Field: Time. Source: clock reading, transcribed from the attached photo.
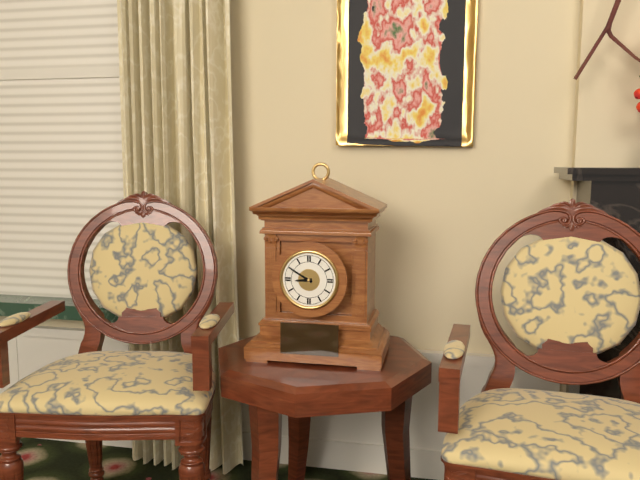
8:50
